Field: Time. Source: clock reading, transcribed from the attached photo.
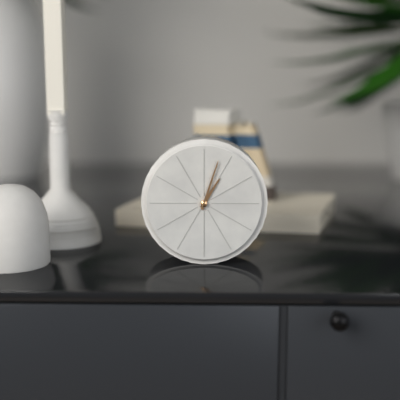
1:03
